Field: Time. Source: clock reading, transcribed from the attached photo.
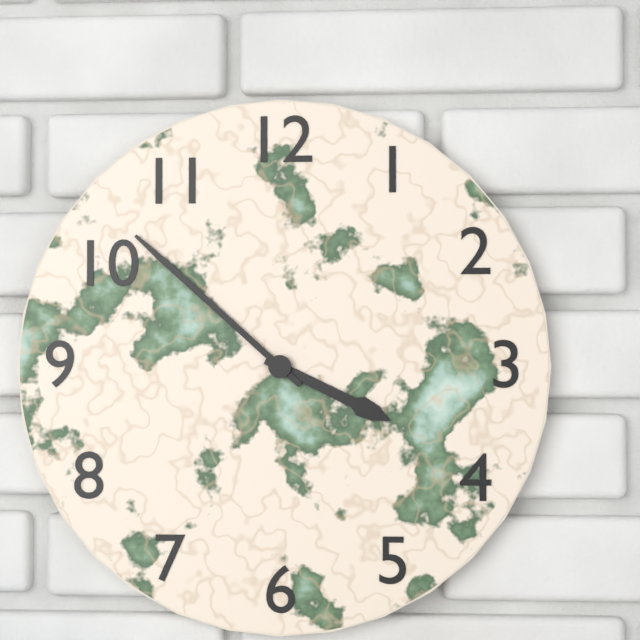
3:52
